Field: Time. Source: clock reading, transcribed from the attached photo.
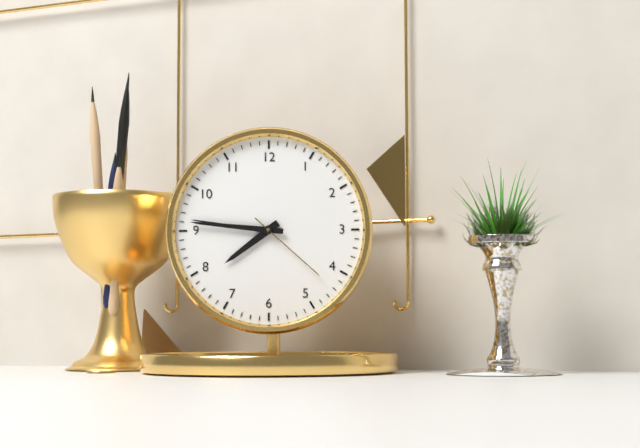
7:46:22
